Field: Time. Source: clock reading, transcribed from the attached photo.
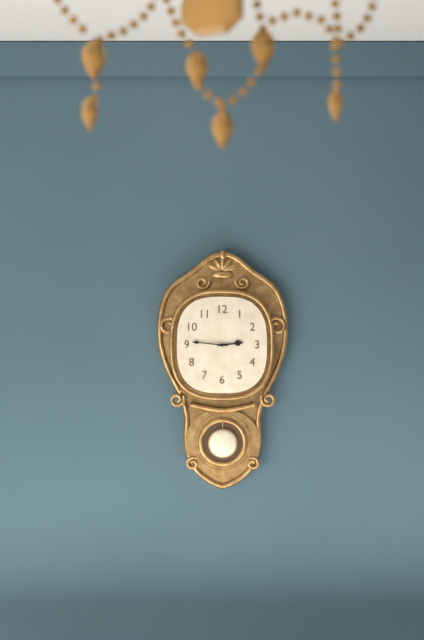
2:46
